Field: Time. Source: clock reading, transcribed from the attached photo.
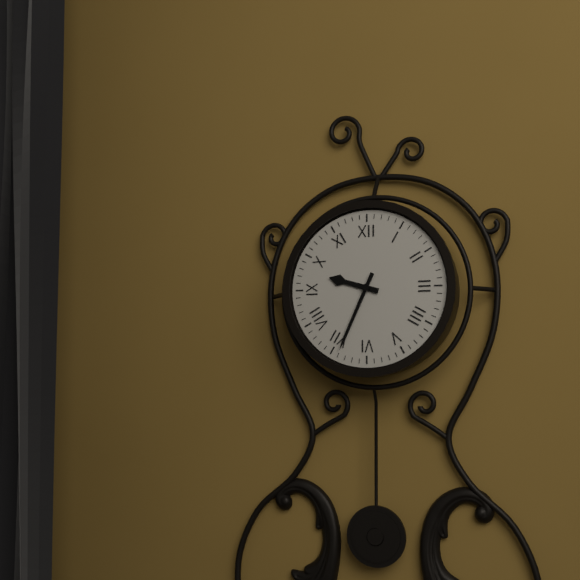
9:34
